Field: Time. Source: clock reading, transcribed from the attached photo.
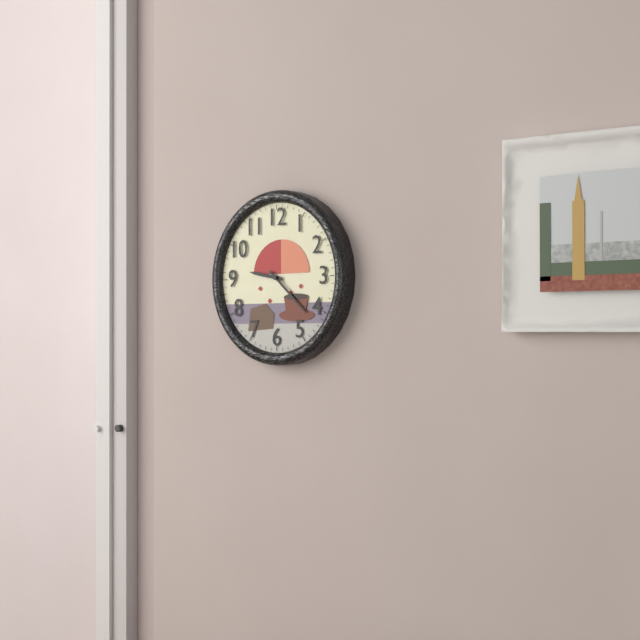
9:22
